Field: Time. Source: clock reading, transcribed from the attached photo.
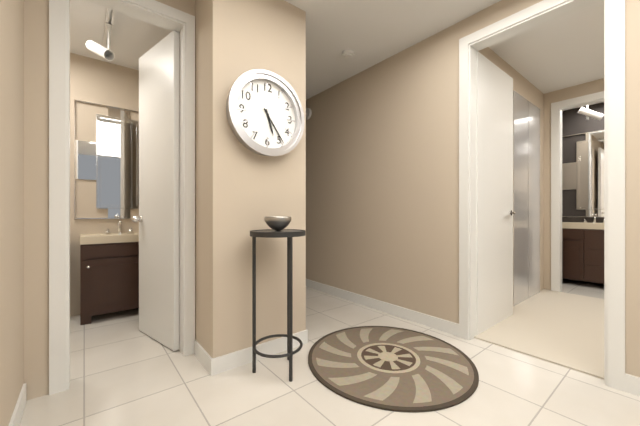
5:24
